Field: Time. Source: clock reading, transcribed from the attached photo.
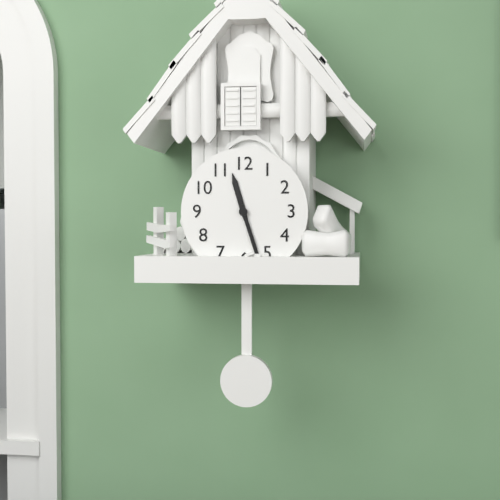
11:27
